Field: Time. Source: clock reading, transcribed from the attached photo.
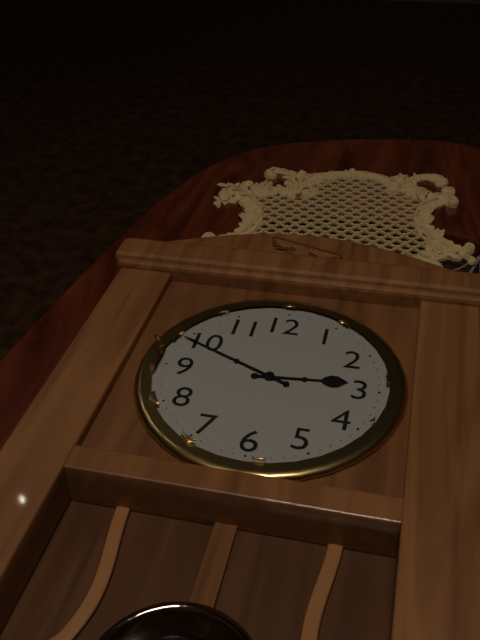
2:49
